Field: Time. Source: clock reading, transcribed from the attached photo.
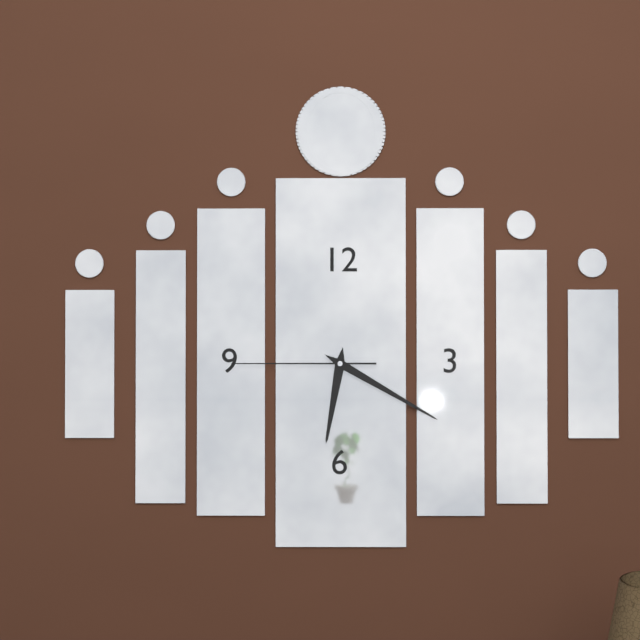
6:20:45
